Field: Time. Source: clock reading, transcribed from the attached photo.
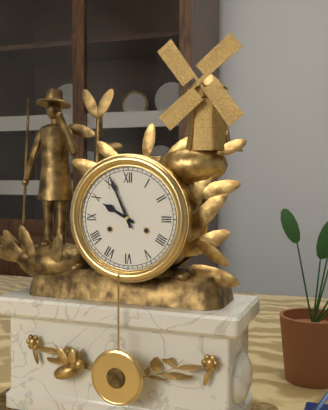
9:56
